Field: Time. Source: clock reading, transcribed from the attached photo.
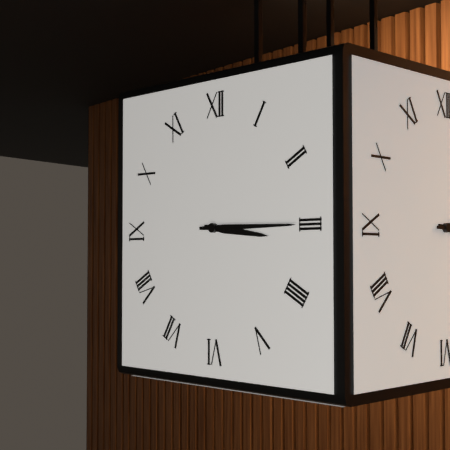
3:15
